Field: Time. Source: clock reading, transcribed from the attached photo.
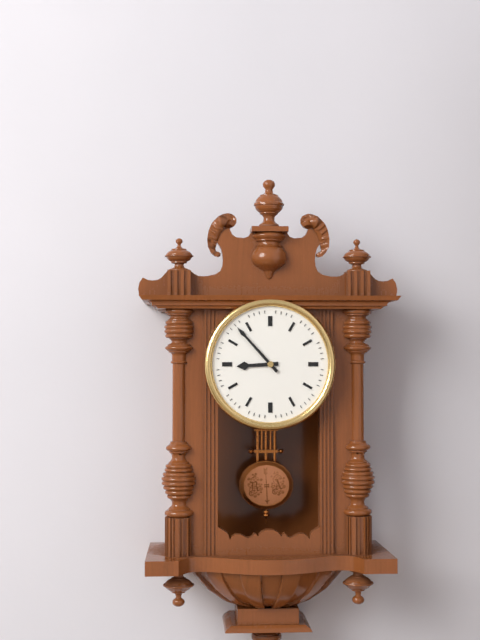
8:53
